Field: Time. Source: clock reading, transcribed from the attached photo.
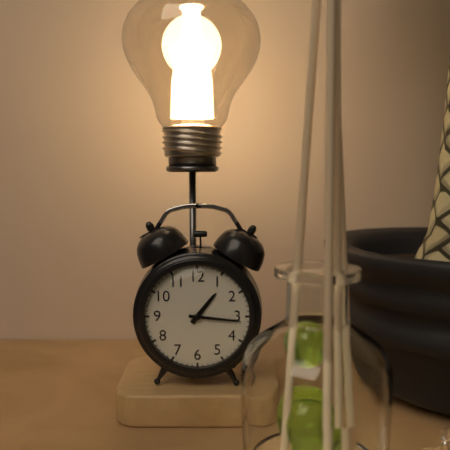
1:16
